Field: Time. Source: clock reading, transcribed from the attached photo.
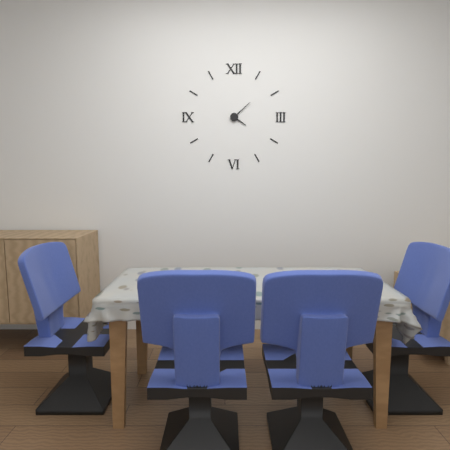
4:08
